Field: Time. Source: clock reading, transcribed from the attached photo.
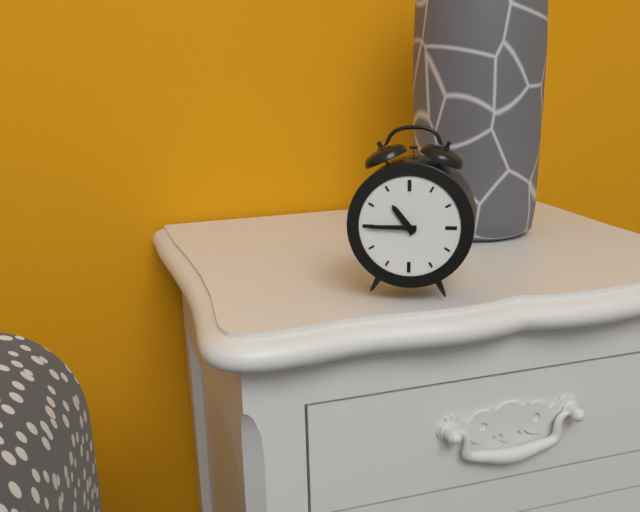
10:45
